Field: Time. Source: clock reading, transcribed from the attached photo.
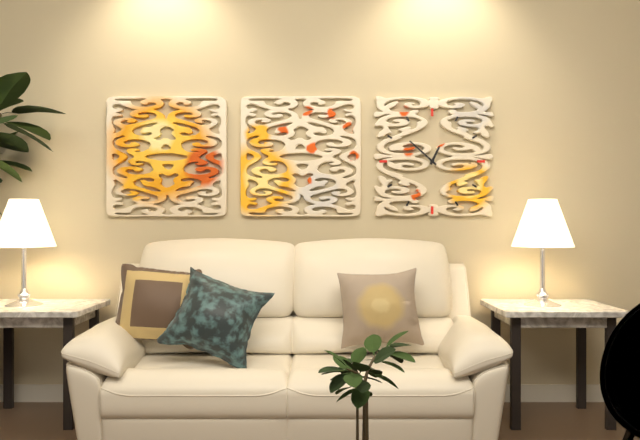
12:52
